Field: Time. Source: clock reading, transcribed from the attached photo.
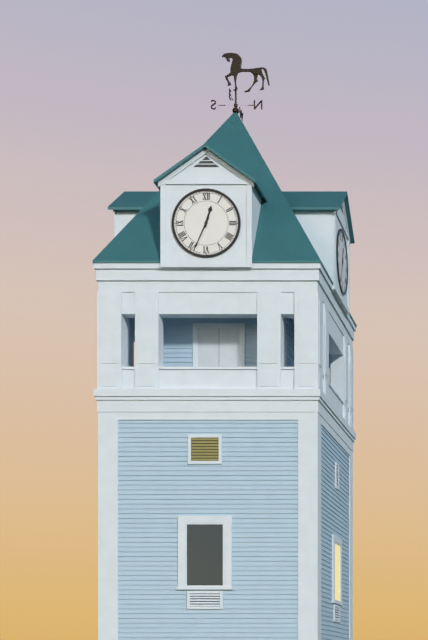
12:34
